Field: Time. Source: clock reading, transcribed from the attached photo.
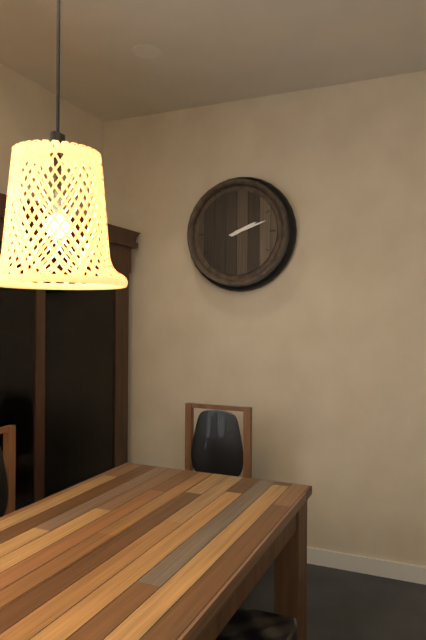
2:12
